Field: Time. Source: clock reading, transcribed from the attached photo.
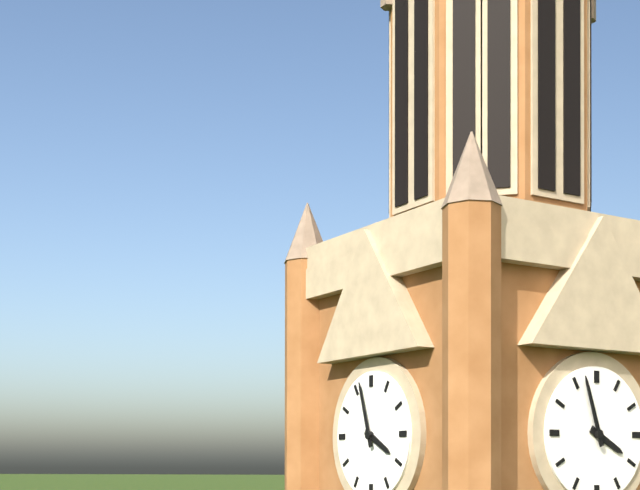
3:57
